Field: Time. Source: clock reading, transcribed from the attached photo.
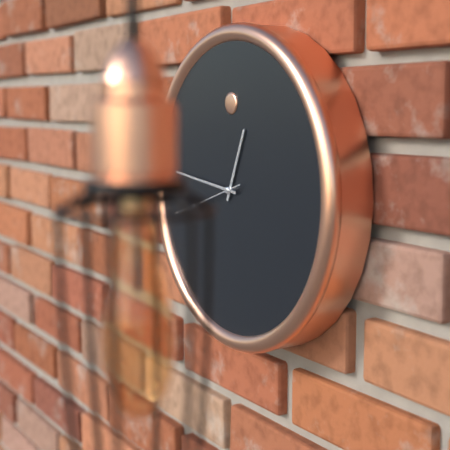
12:46
